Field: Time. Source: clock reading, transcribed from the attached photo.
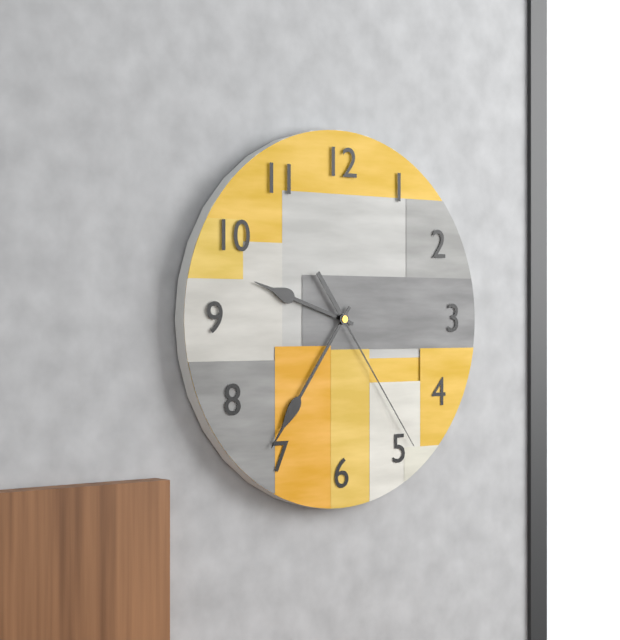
9:36:24
